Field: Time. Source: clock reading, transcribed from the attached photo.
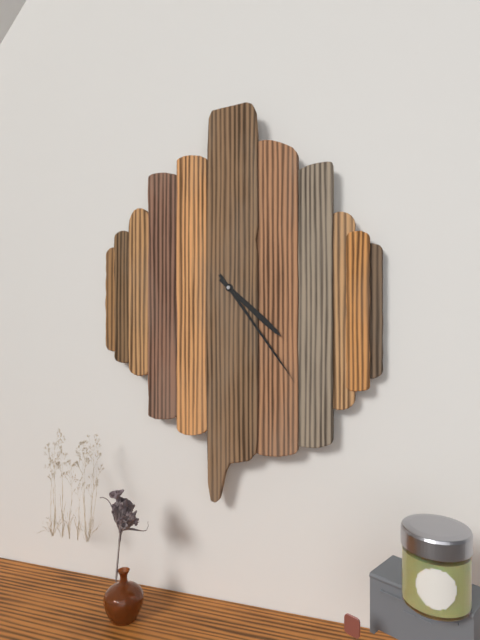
4:24
